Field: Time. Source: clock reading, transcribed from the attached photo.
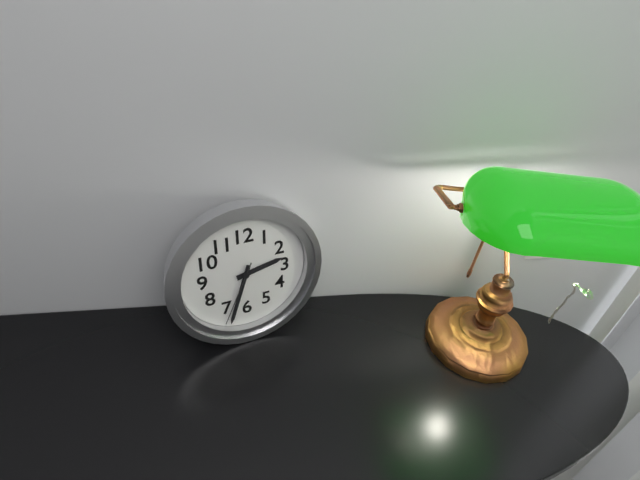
2:33:34
